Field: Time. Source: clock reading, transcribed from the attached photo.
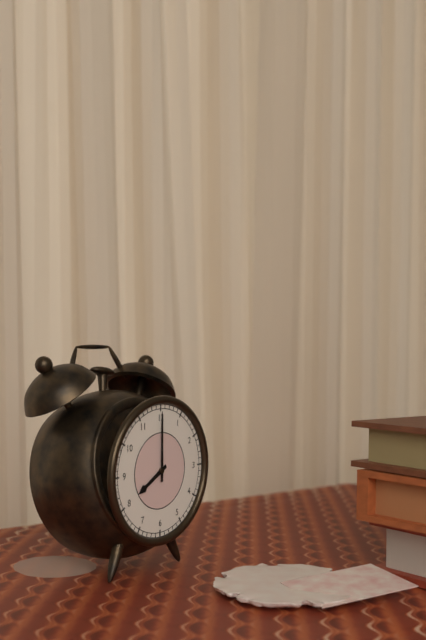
8:00
